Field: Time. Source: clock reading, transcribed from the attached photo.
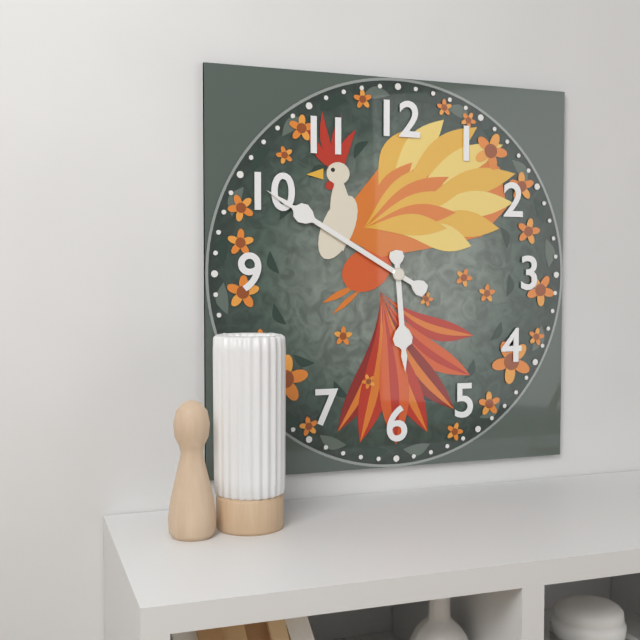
5:50
